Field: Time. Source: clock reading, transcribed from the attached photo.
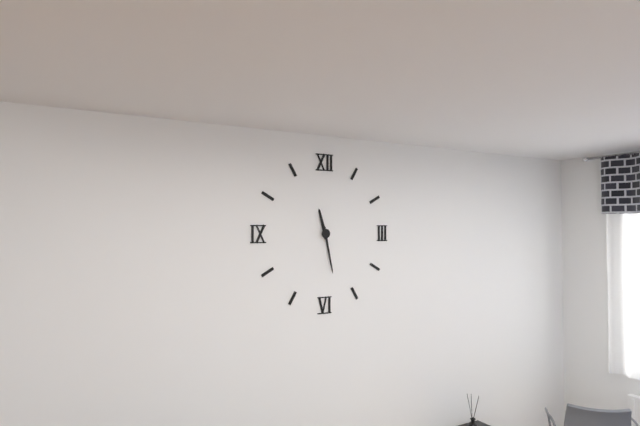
11:28
